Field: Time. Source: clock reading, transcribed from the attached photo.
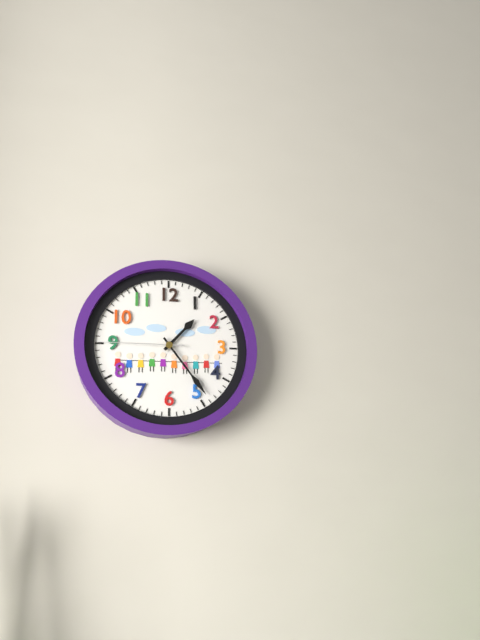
1:24:45
